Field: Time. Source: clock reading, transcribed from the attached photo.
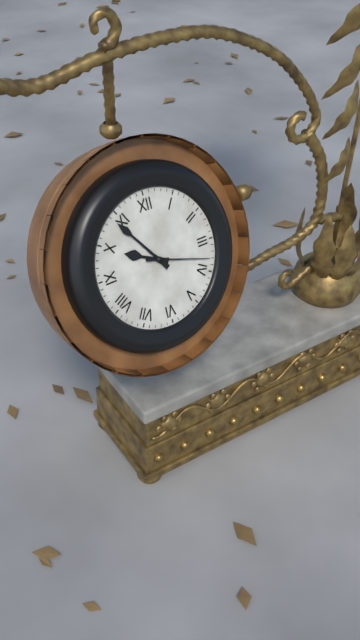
9:54:18
